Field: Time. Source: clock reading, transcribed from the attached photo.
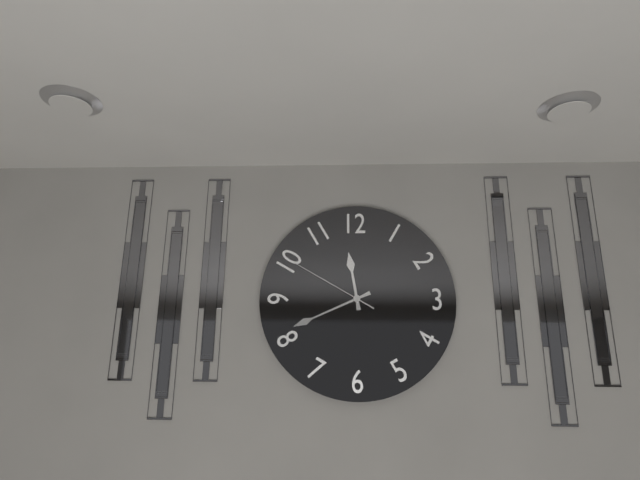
11:41:50
